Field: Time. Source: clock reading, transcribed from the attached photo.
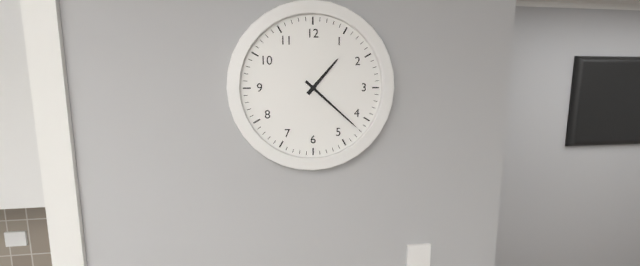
1:22
